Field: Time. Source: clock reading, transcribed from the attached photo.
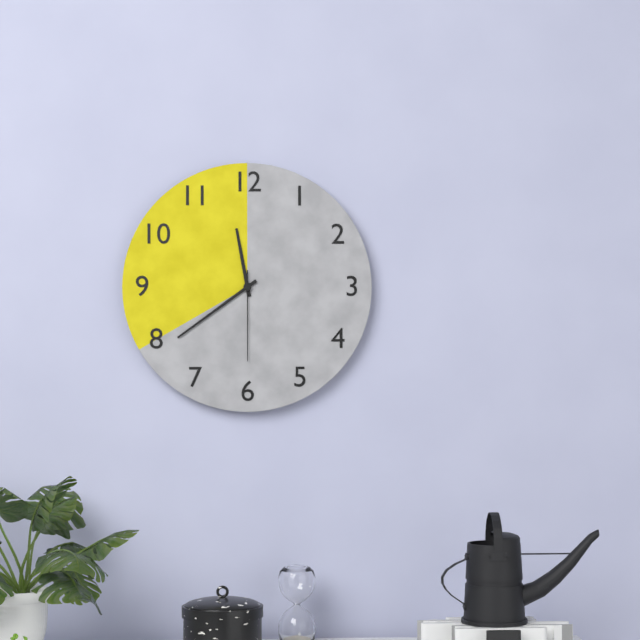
11:39:30
